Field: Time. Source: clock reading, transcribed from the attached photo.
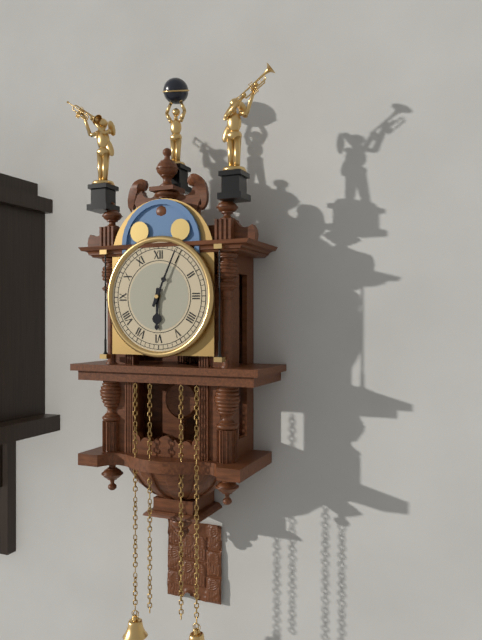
6:04
